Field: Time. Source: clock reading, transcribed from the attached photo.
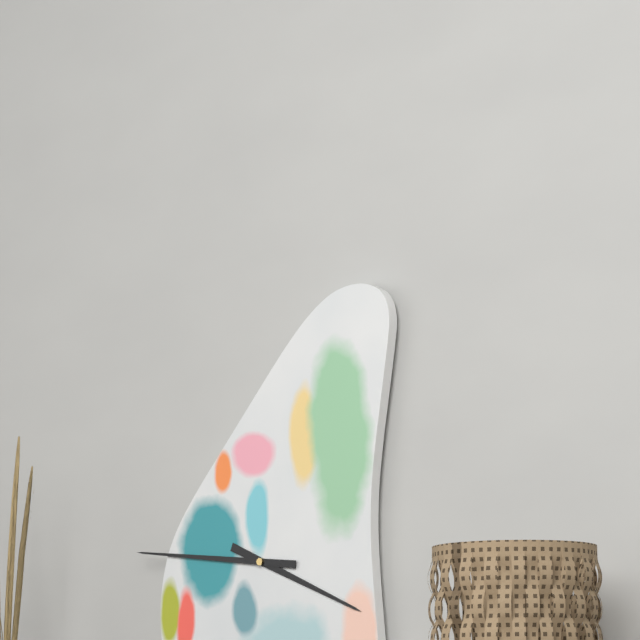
3:46
